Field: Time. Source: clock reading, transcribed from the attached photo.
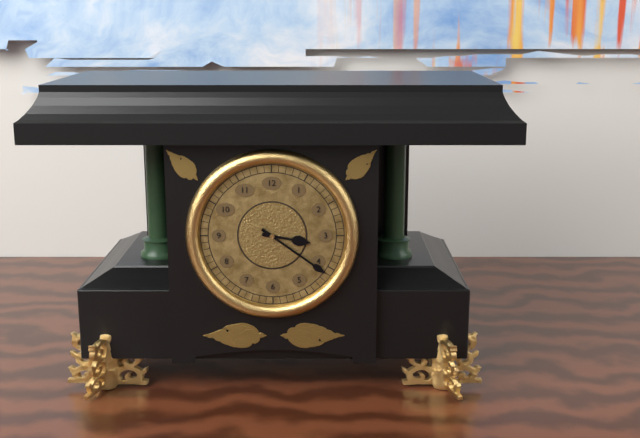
3:21
